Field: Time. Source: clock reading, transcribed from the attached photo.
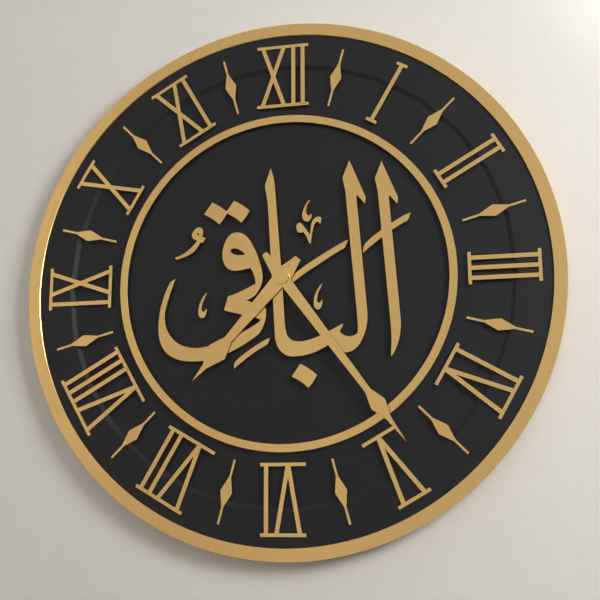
7:24
